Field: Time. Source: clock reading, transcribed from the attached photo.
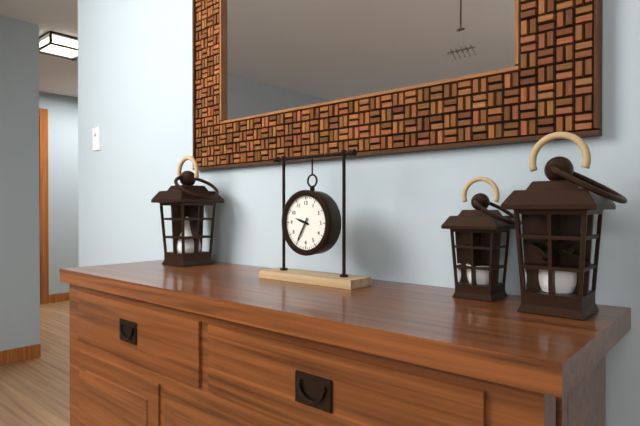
9:35
